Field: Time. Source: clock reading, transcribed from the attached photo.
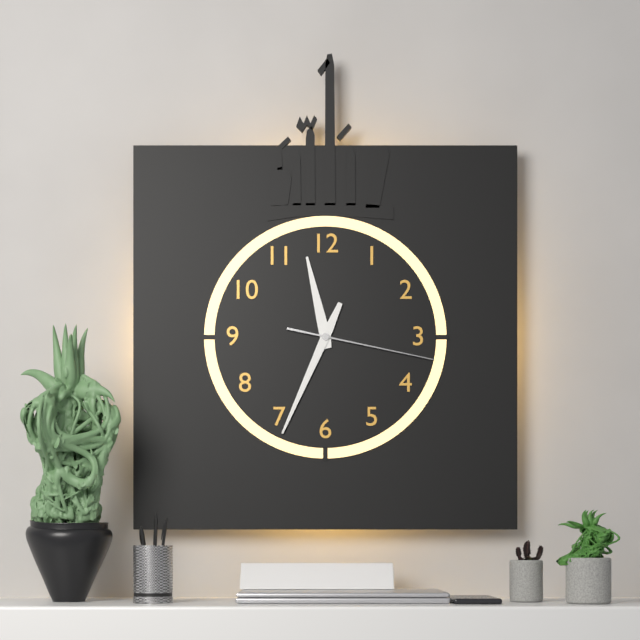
11:34:17
